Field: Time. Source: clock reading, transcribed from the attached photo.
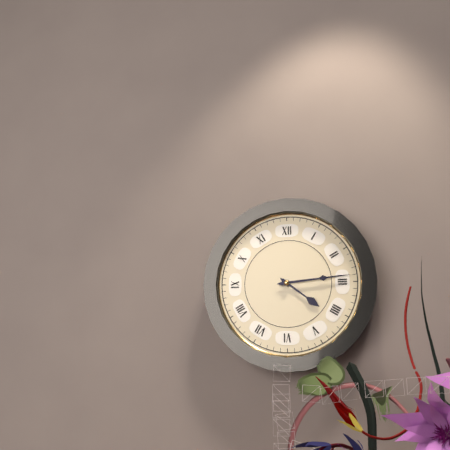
4:14
